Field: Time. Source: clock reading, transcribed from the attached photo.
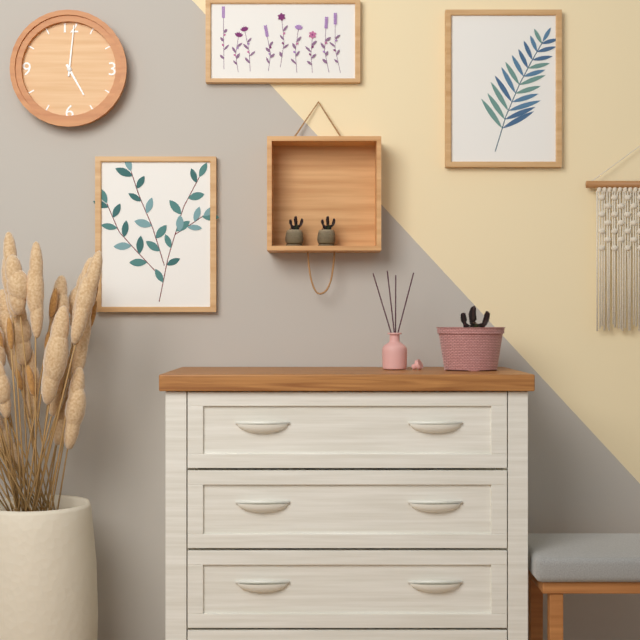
5:01
